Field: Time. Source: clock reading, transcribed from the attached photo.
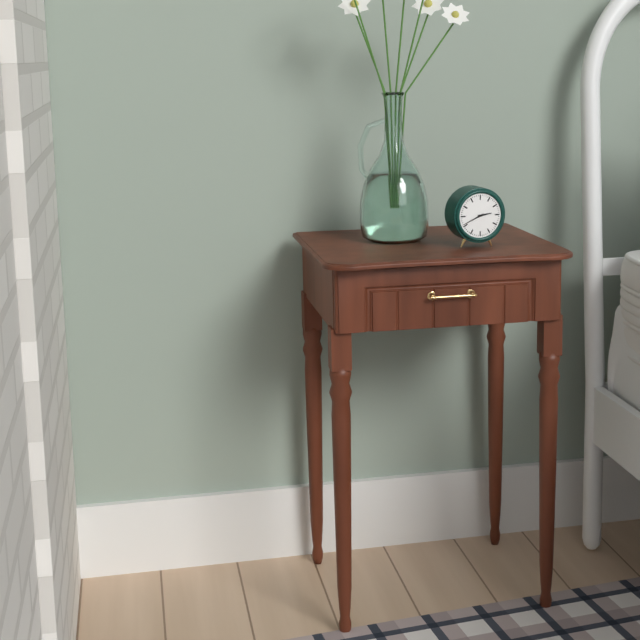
2:41
